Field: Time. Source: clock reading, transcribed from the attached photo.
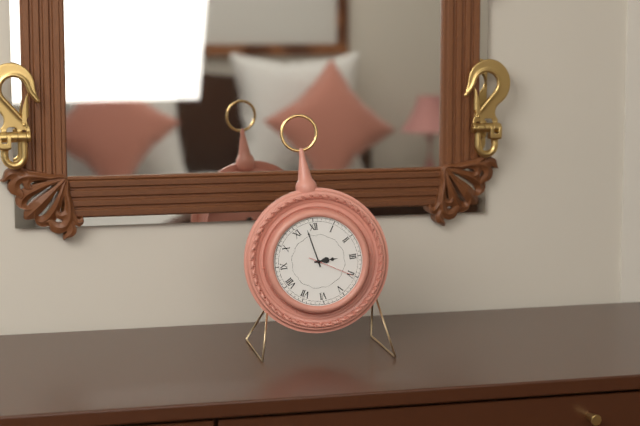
2:58:20
